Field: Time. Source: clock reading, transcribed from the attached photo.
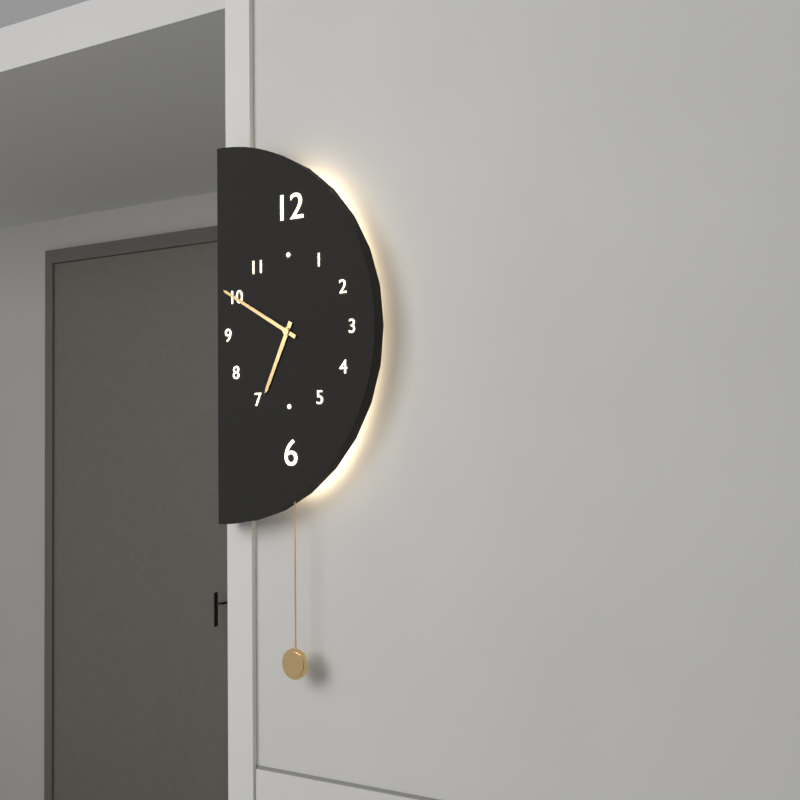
6:50
